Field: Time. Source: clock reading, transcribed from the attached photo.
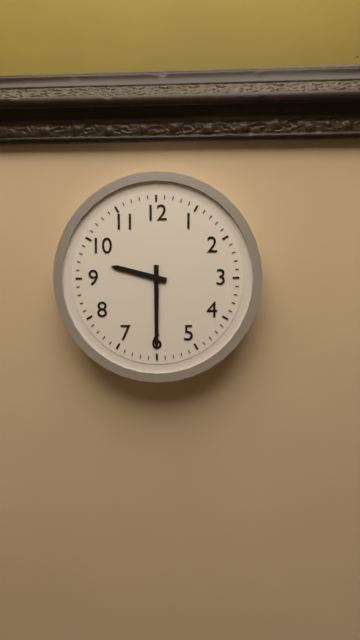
9:30
